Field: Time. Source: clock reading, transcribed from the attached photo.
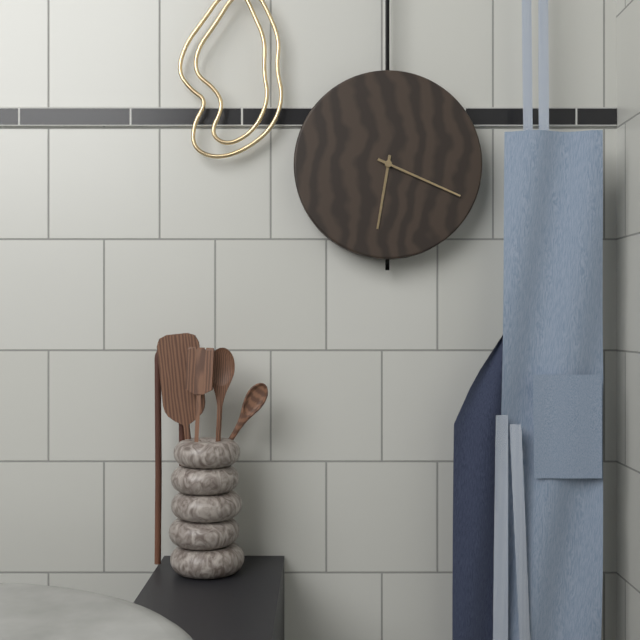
6:19
